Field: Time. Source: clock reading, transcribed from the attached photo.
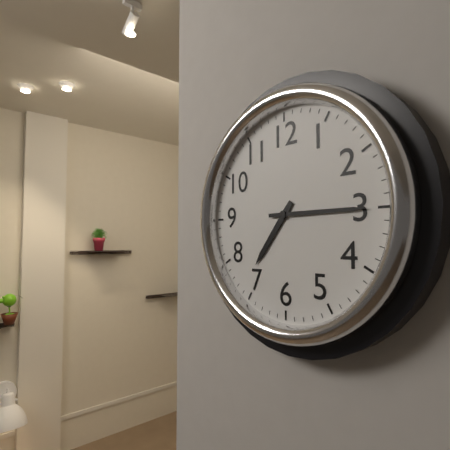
7:15
